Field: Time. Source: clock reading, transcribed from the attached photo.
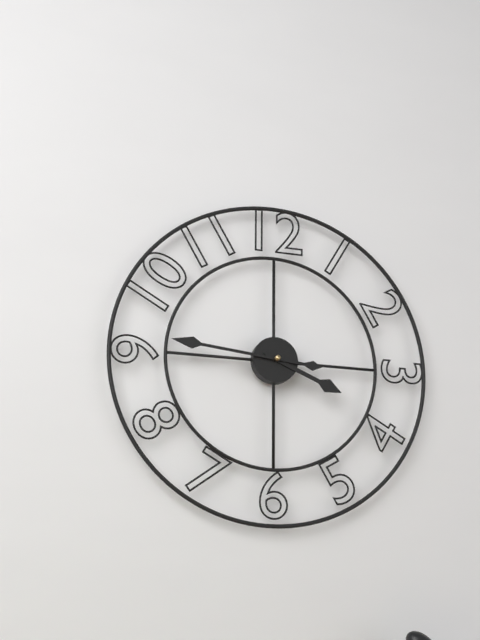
3:46
